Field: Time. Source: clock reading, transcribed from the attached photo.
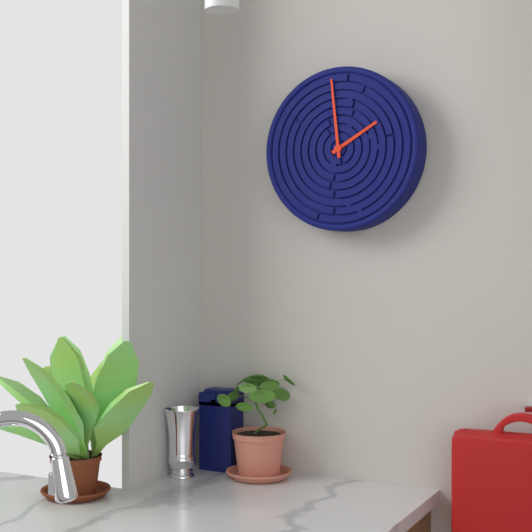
1:59
